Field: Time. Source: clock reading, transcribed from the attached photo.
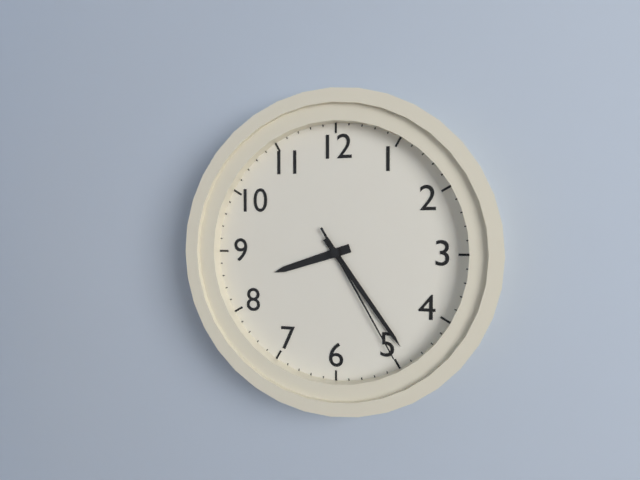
8:24:25
